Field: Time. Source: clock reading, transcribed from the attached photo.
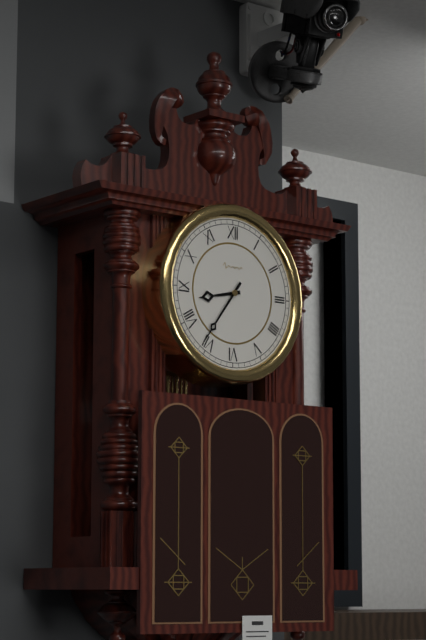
8:36
